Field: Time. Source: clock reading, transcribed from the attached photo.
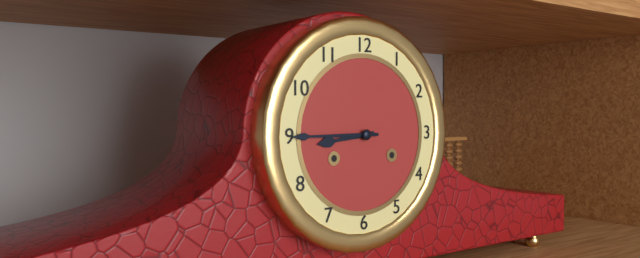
8:45
